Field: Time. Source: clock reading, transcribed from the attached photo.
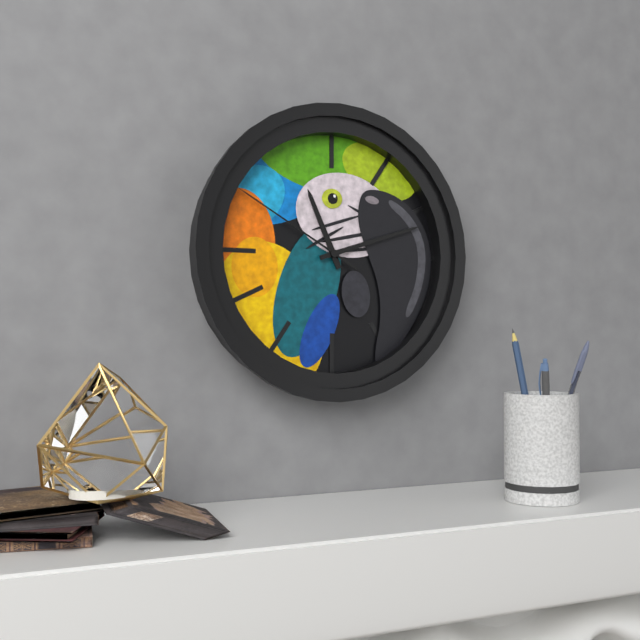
11:12:50
